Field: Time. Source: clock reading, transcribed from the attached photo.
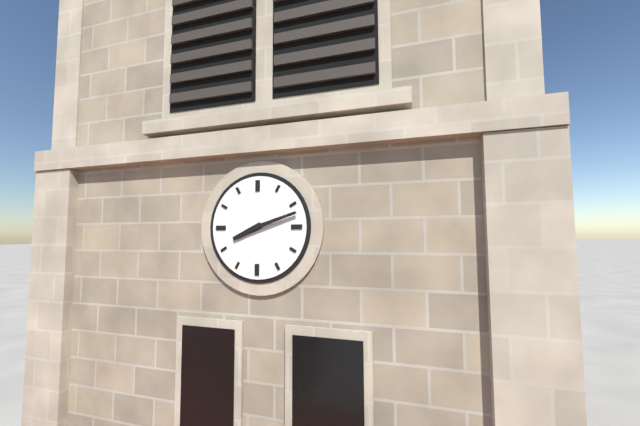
8:12
